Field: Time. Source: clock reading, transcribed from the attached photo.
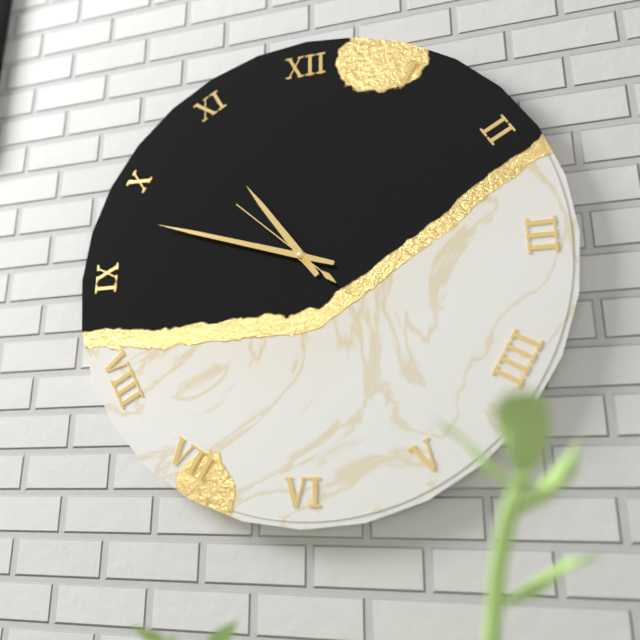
10:48:52
